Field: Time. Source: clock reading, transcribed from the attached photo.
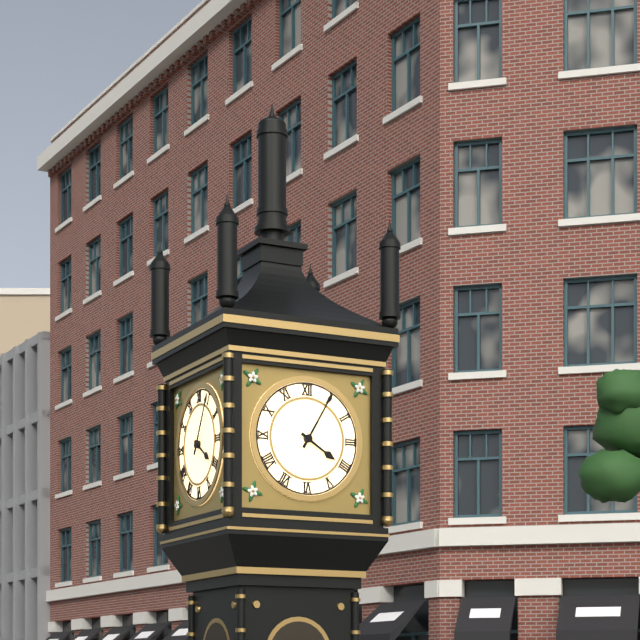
4:05
